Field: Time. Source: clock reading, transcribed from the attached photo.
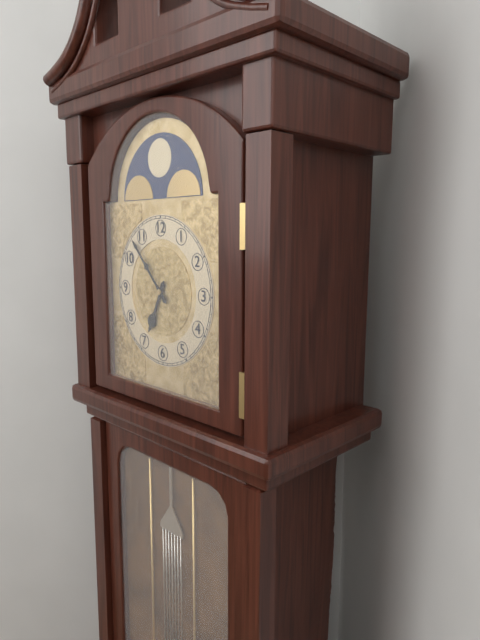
6:53
